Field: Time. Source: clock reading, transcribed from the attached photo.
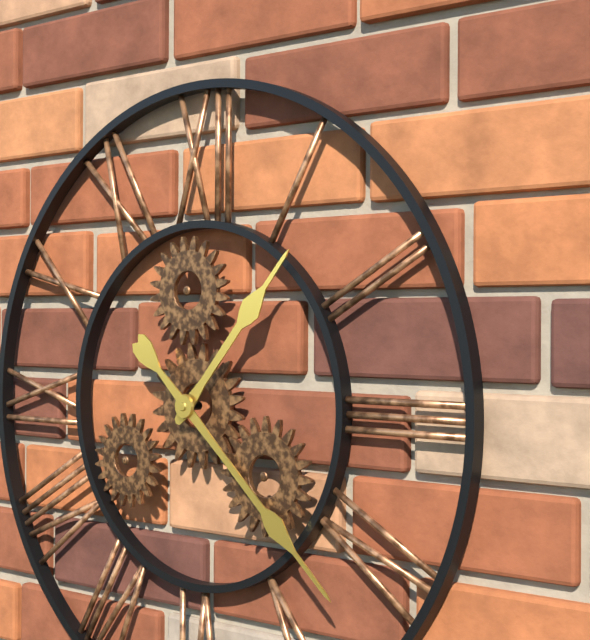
1:22
